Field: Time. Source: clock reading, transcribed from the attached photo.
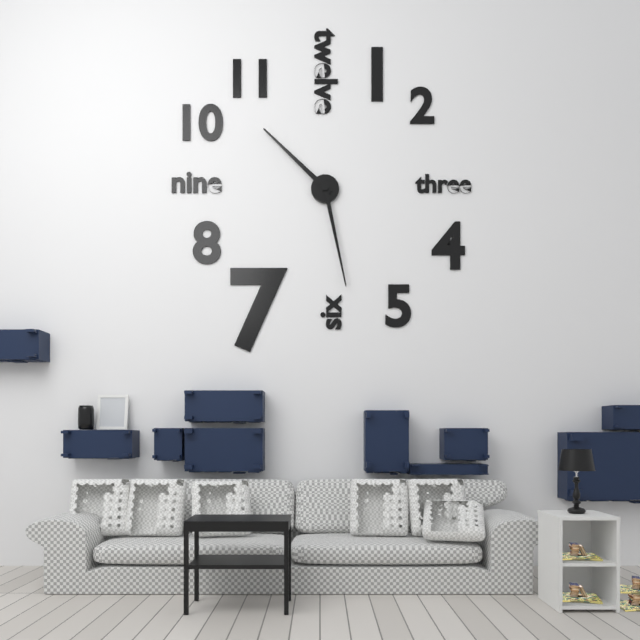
10:28
